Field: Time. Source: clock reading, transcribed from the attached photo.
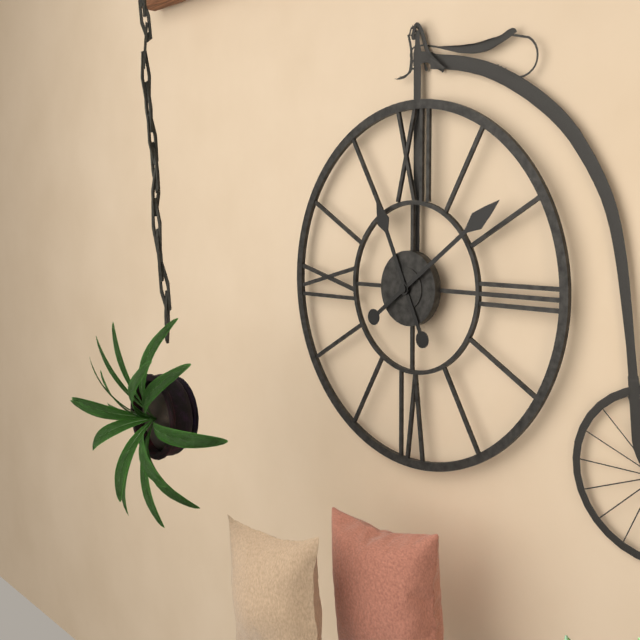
11:09
